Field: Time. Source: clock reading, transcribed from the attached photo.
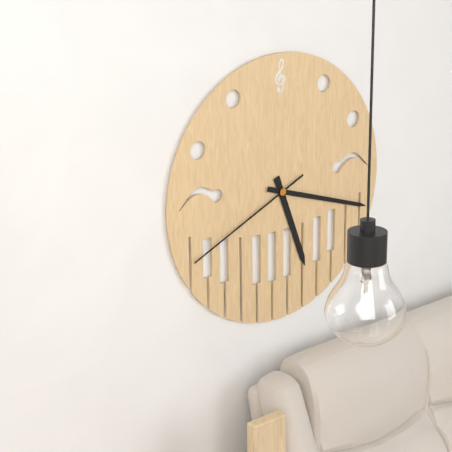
5:18:41
